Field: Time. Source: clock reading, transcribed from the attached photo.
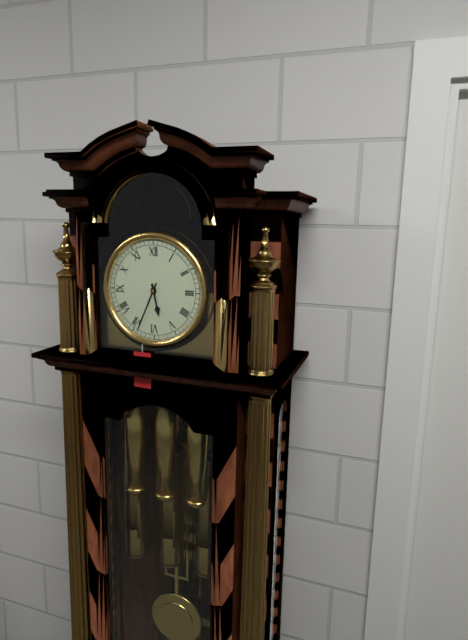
5:34
